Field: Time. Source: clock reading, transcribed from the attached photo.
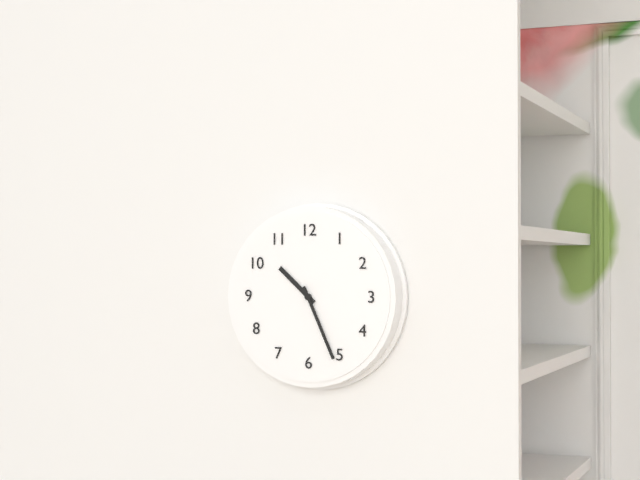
10:26
